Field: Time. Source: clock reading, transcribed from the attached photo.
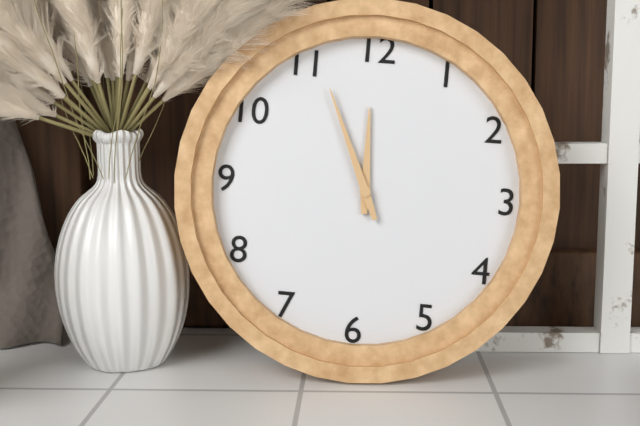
11:56
